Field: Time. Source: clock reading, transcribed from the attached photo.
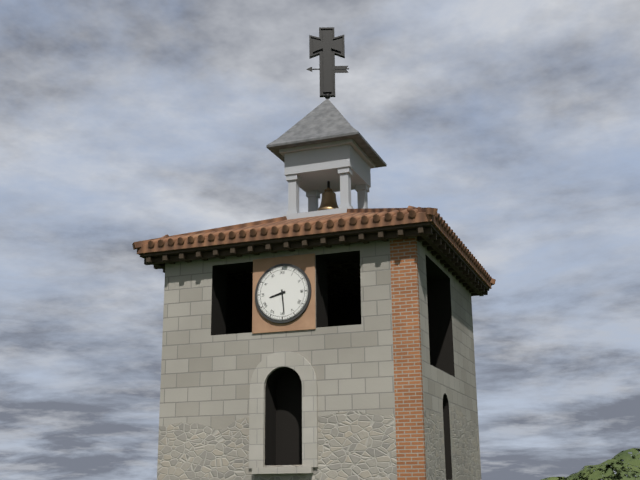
8:29
